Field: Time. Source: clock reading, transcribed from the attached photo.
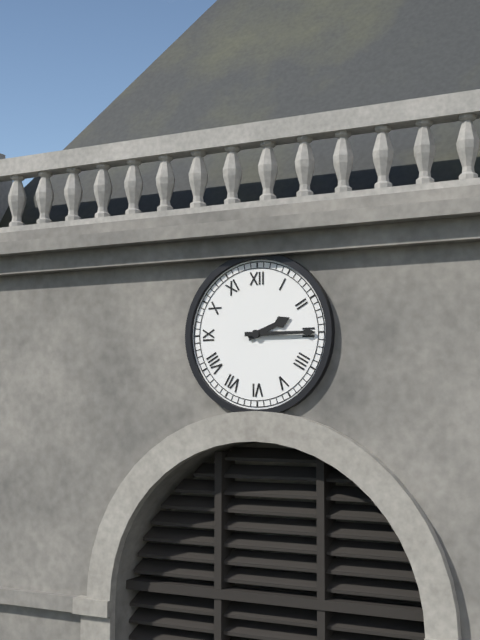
2:15
